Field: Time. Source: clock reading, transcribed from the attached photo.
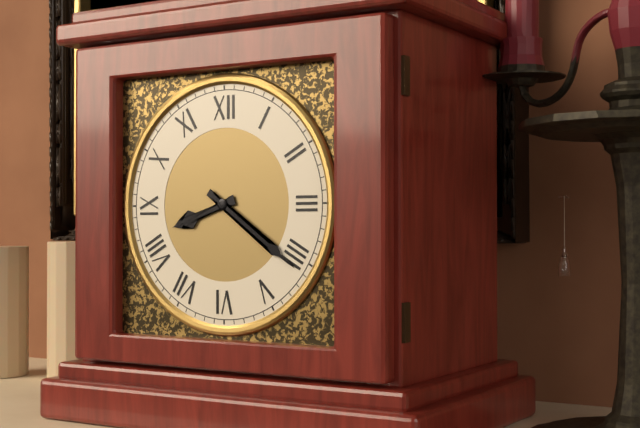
8:21
